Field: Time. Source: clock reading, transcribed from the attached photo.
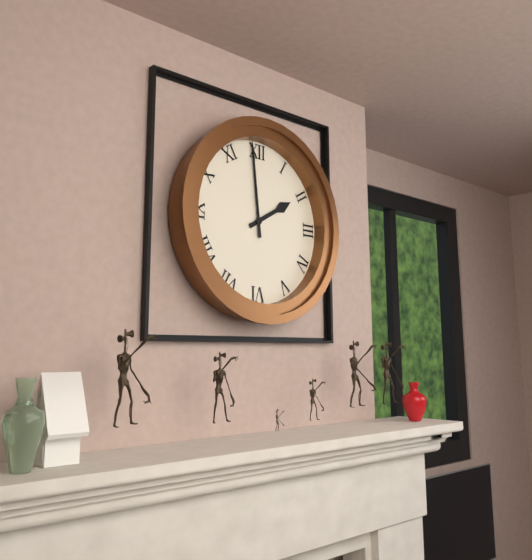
1:59
